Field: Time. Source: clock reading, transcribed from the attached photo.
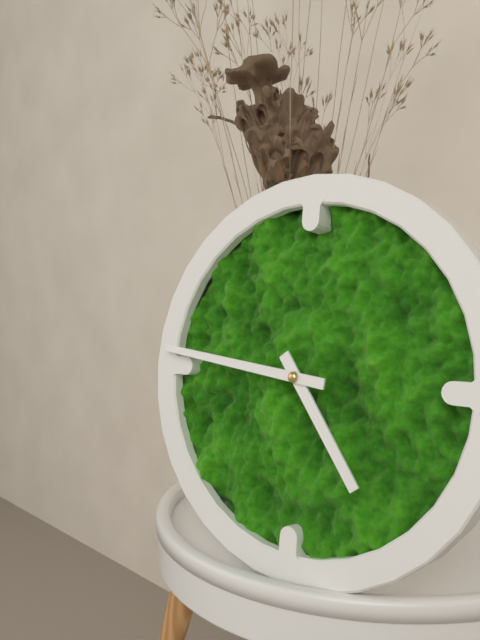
4:46
